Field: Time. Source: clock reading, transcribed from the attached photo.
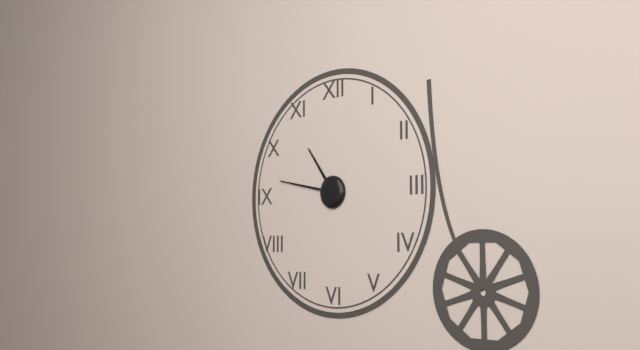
10:47
